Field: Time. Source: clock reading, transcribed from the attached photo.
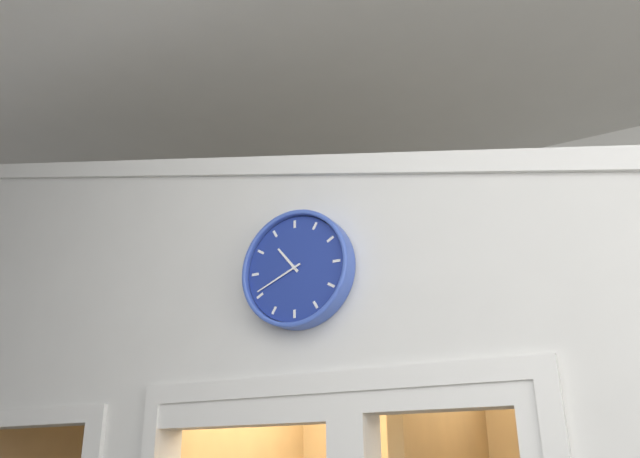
10:41
